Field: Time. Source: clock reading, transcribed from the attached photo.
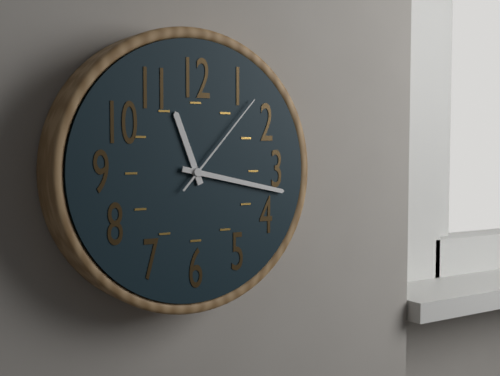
11:17:07
